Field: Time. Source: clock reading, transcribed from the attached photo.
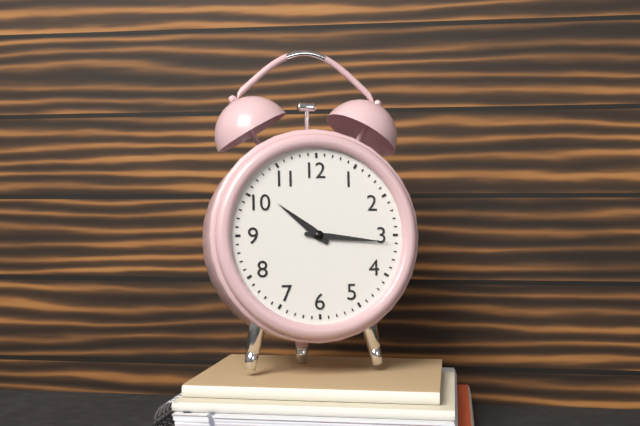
10:16
